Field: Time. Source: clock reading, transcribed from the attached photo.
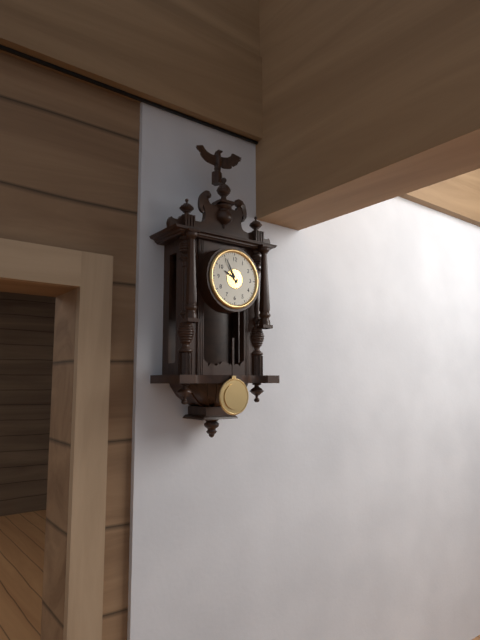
9:55
